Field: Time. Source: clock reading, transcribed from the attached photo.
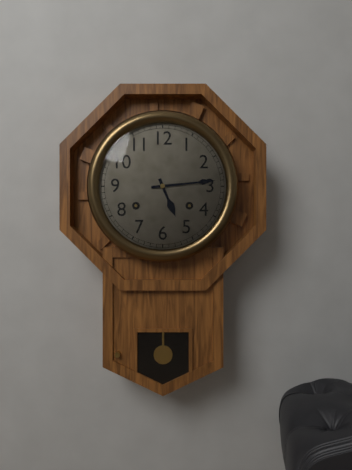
5:14
